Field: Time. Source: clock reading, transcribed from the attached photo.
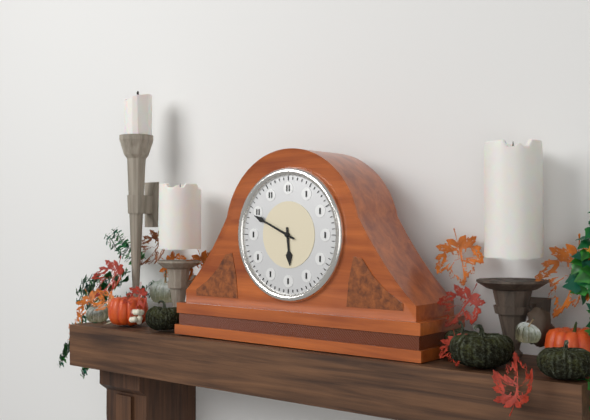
5:49
